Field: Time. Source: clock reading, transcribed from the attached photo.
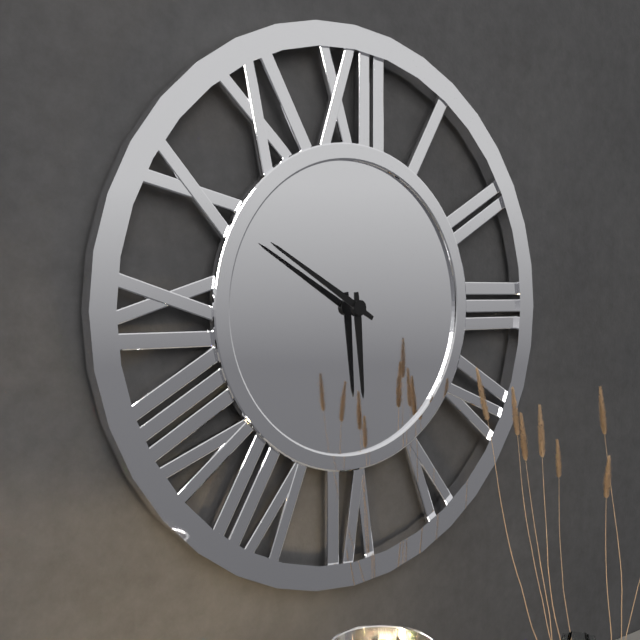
5:50
